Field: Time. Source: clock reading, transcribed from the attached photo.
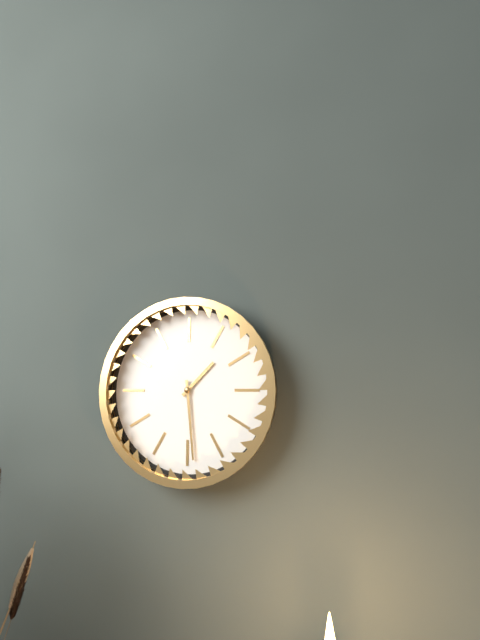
1:29
